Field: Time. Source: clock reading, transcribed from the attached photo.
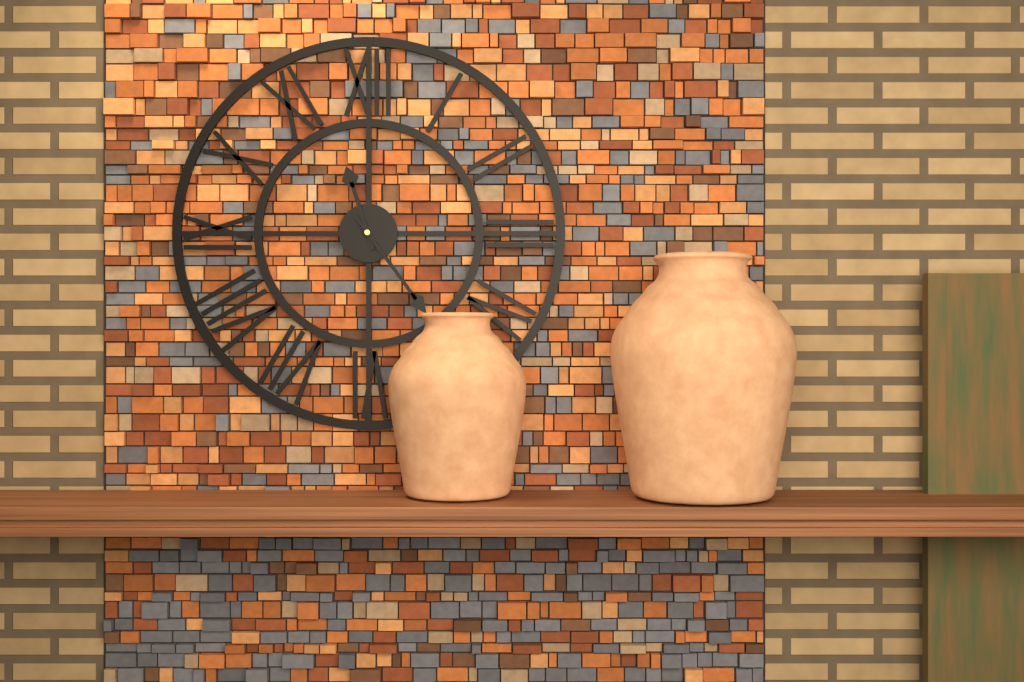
11:24
